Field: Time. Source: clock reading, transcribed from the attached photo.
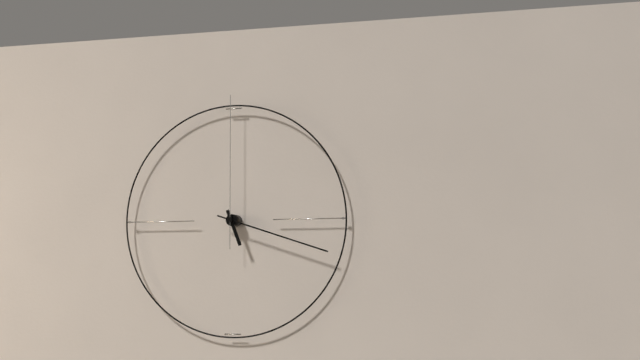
5:18:00
